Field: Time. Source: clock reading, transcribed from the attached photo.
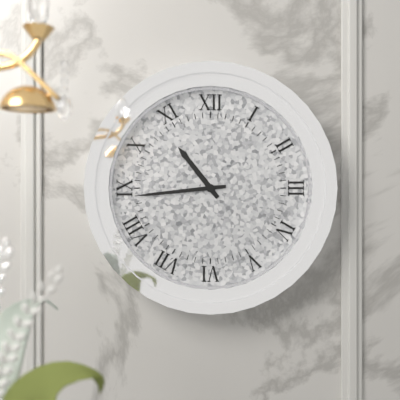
10:44
